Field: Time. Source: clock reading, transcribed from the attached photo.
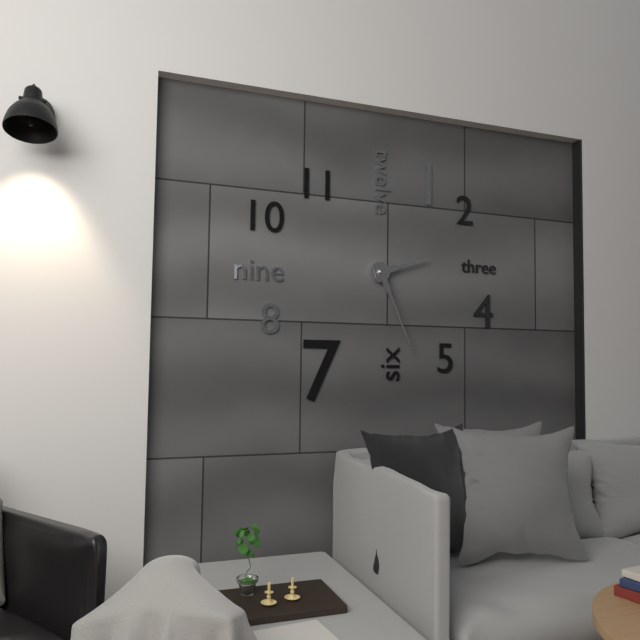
2:26
